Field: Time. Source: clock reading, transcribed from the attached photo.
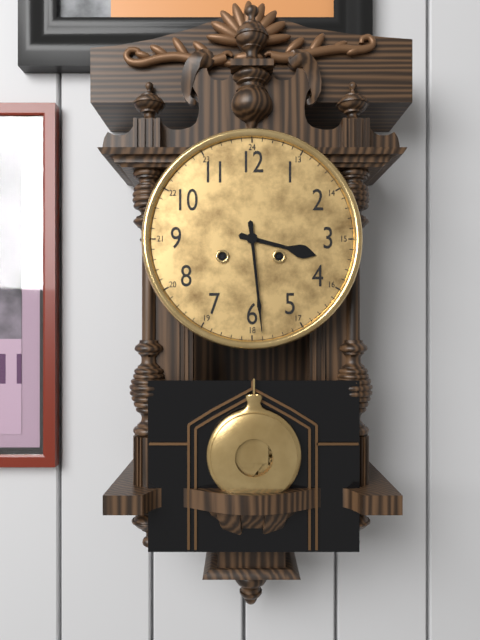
3:29
